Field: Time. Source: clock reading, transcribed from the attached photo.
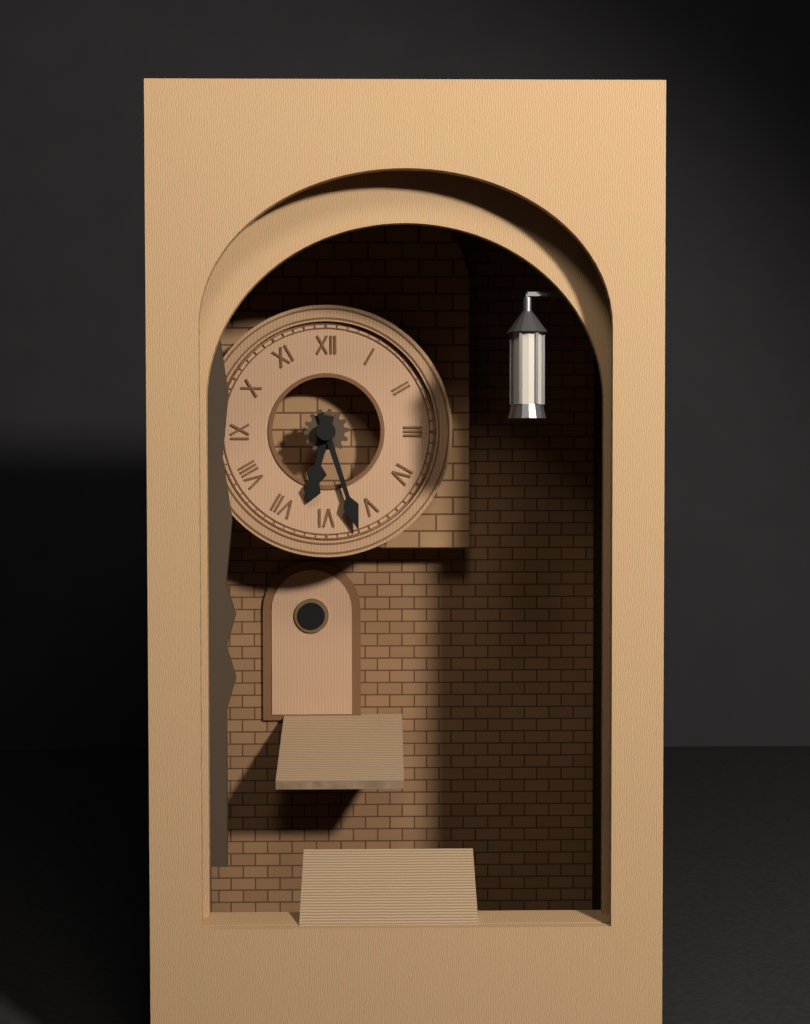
6:27
